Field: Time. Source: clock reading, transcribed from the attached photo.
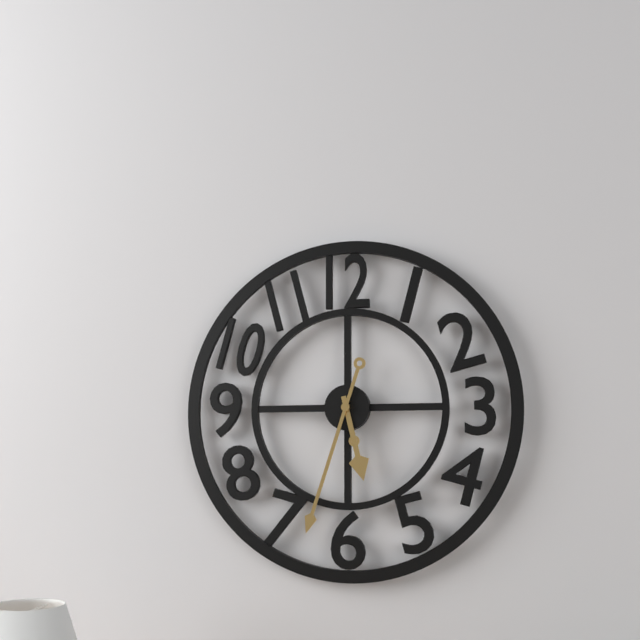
5:33
